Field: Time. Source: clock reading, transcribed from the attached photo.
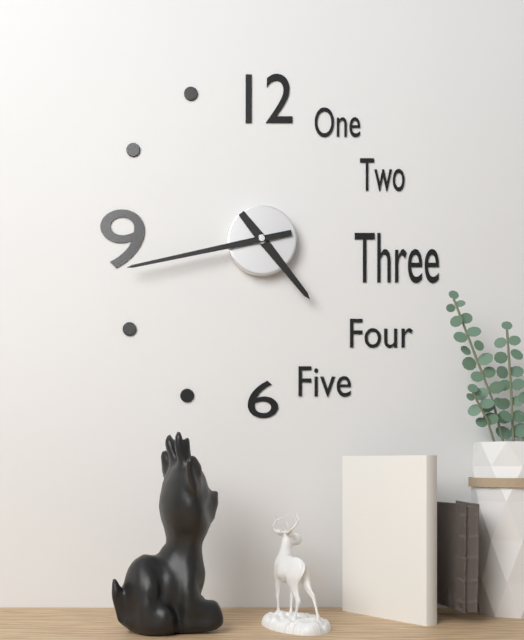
4:43
